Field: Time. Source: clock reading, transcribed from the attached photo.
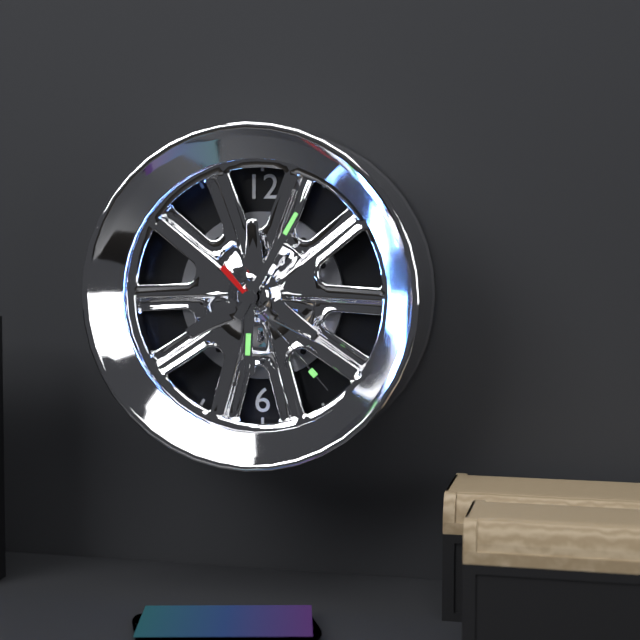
6:05:23
